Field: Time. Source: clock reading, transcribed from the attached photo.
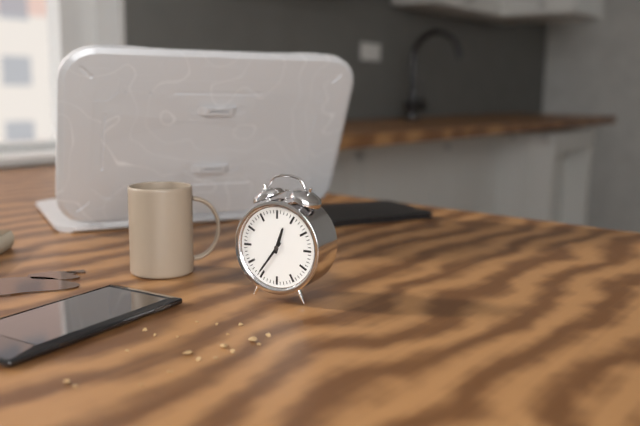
12:36
